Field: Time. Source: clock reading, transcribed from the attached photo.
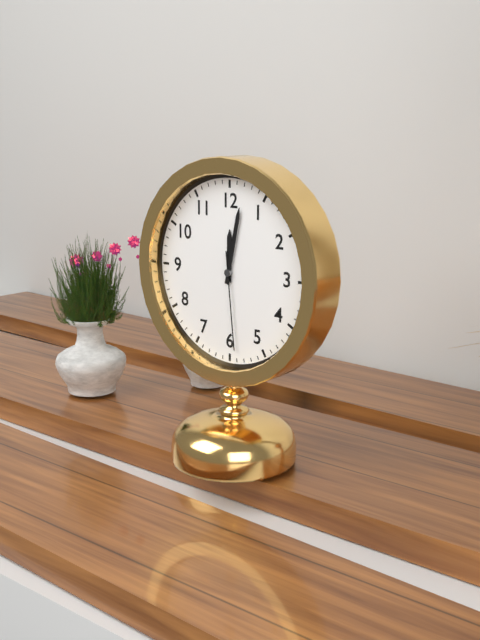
12:02:29
